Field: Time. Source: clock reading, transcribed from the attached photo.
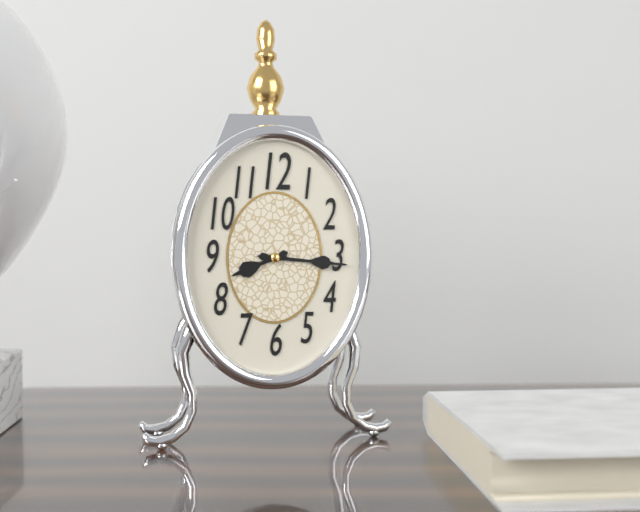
8:16
